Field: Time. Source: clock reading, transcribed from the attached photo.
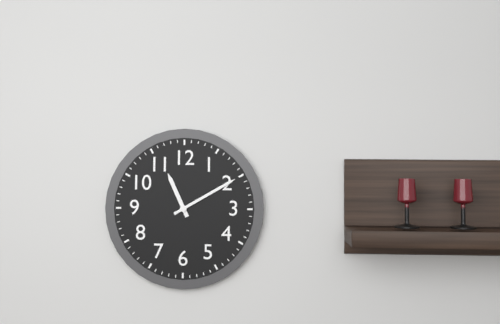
11:10
